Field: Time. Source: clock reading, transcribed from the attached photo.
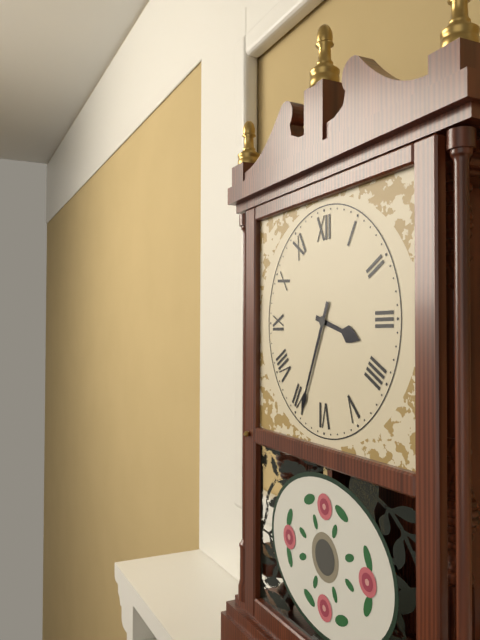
3:34
